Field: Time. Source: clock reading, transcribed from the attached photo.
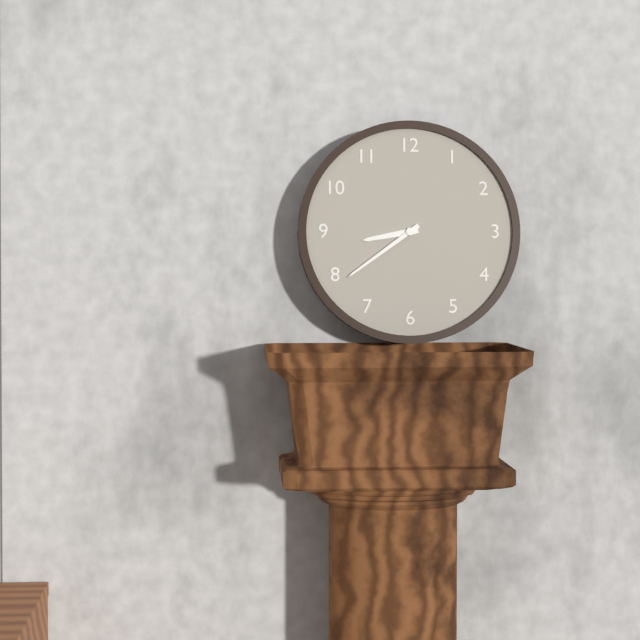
8:39
